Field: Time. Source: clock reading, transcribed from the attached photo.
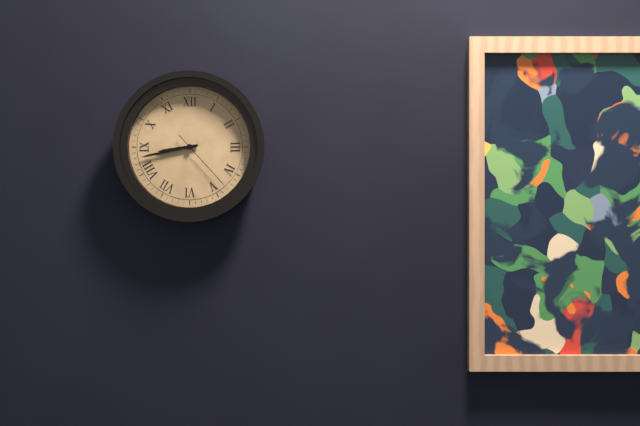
8:43:23
